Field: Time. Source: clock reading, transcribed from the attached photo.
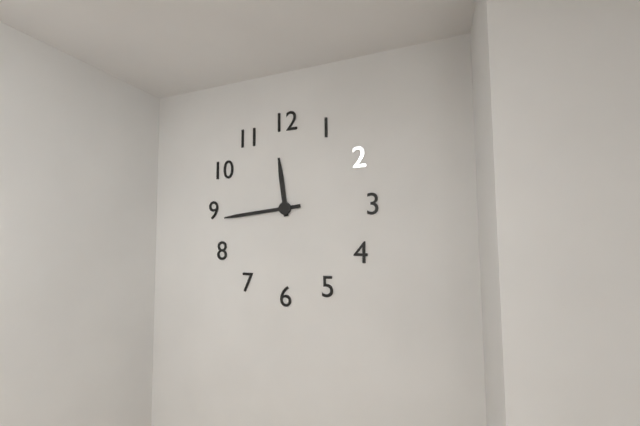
11:44
